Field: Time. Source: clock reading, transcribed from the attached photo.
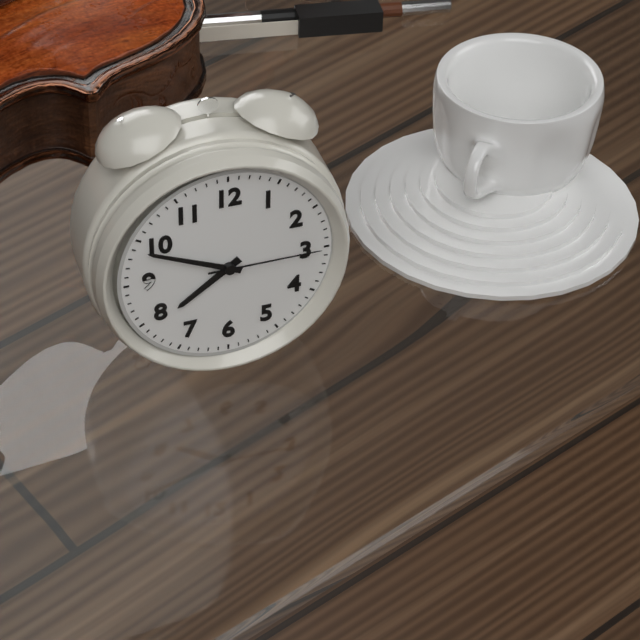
7:49:15
